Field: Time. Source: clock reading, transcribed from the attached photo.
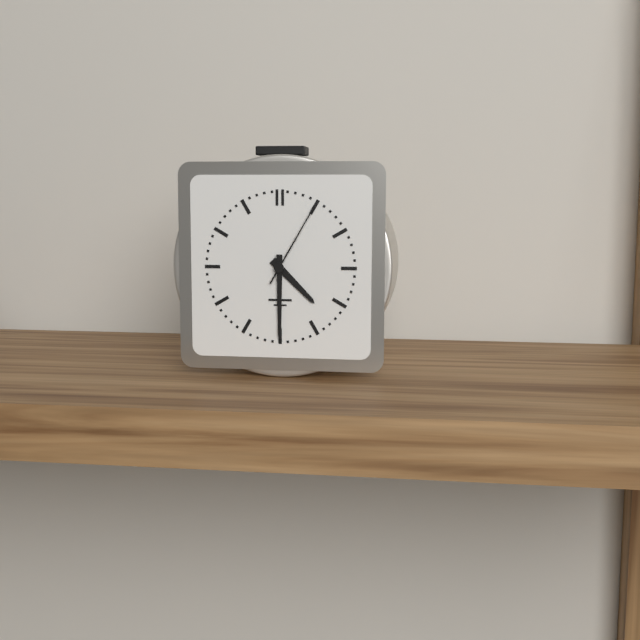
4:30:05
